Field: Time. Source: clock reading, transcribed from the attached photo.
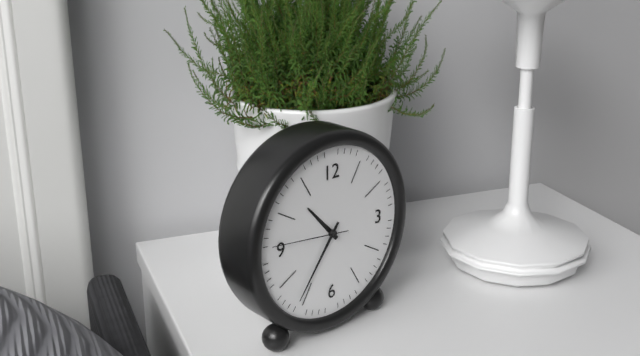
10:36:46
